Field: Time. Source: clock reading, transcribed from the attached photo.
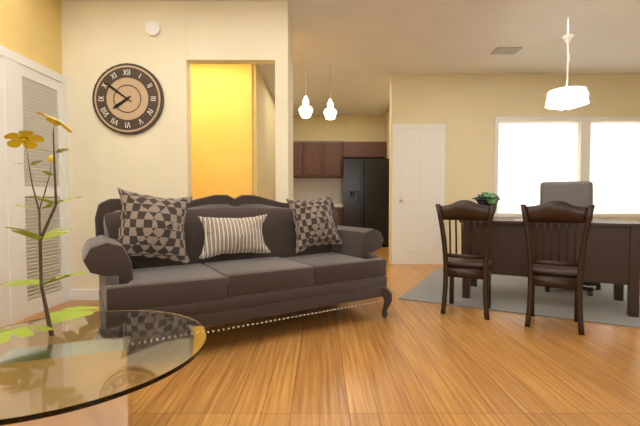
7:51
